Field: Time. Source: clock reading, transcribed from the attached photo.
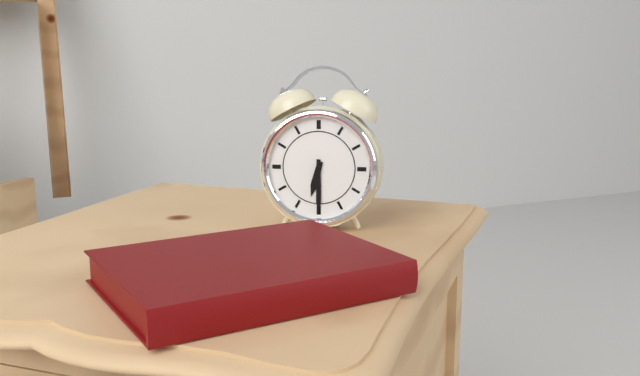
6:30
